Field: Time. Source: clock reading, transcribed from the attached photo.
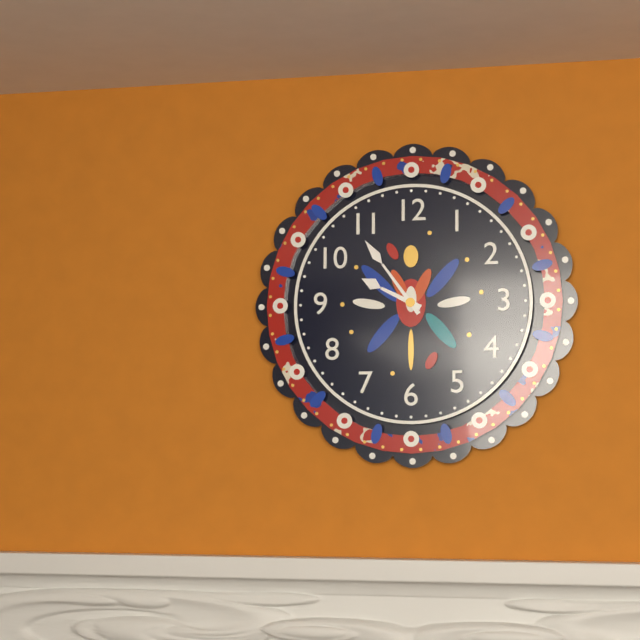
9:54
